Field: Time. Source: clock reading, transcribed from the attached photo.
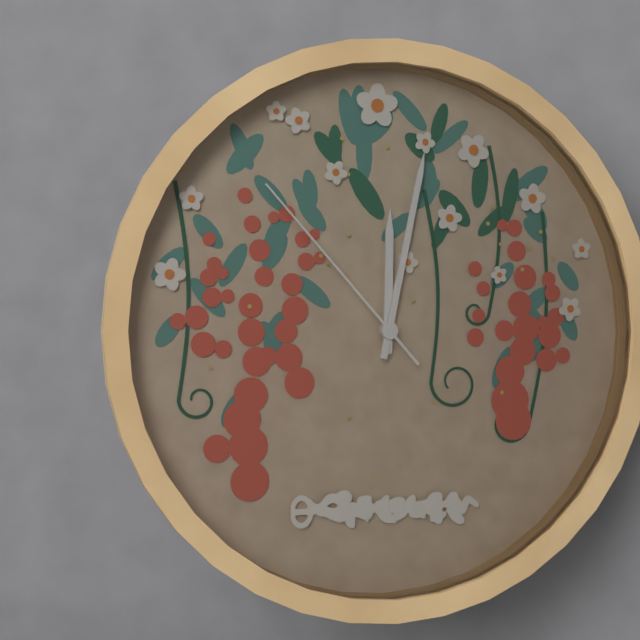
12:02:53
